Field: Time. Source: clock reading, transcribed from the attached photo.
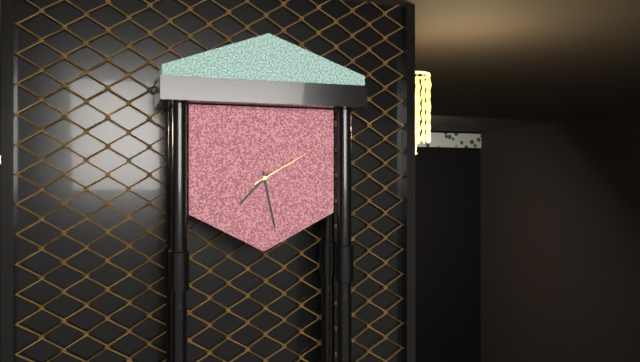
7:28:10
